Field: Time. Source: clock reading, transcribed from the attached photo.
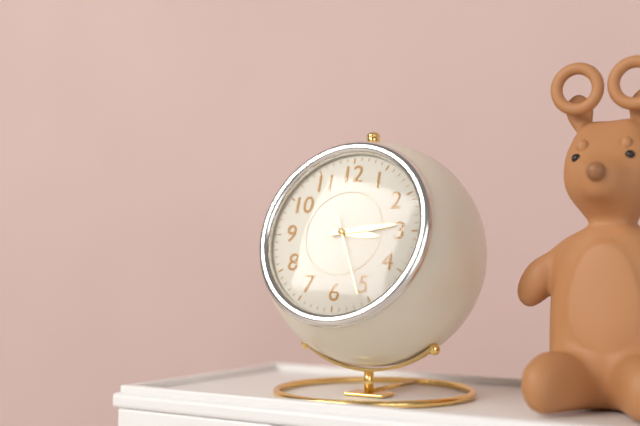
3:14:26
